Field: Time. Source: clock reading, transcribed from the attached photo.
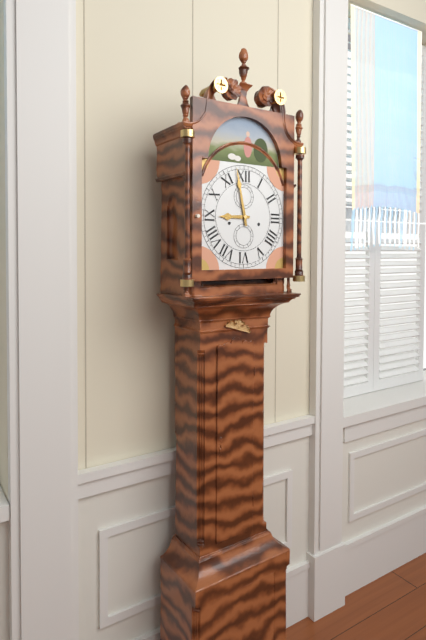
8:58
